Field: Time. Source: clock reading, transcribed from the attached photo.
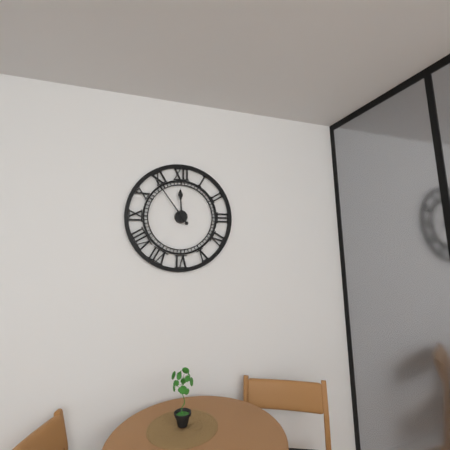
11:54
